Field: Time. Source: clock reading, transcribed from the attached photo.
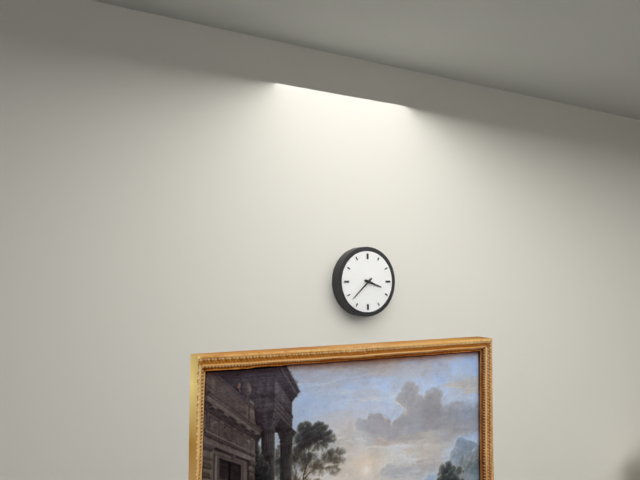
3:38
